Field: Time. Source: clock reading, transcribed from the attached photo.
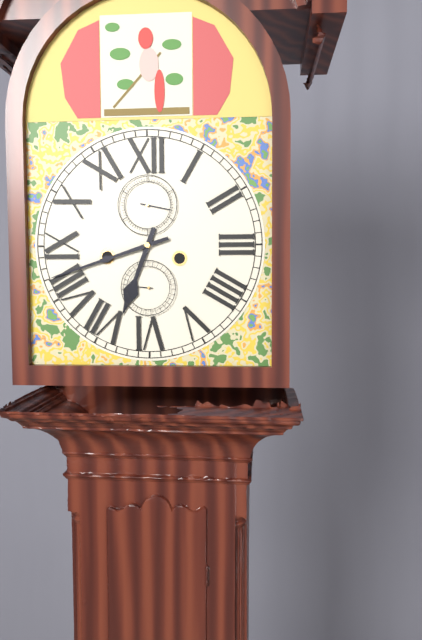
6:42
